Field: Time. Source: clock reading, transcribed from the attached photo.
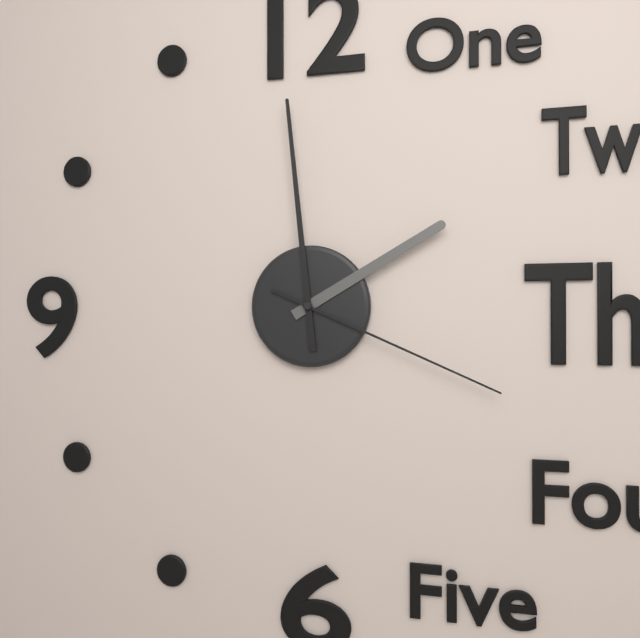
1:59:19
